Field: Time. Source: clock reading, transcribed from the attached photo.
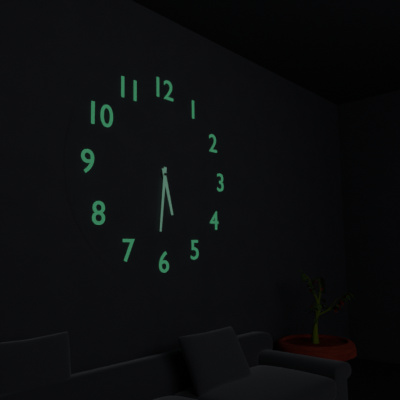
5:31
